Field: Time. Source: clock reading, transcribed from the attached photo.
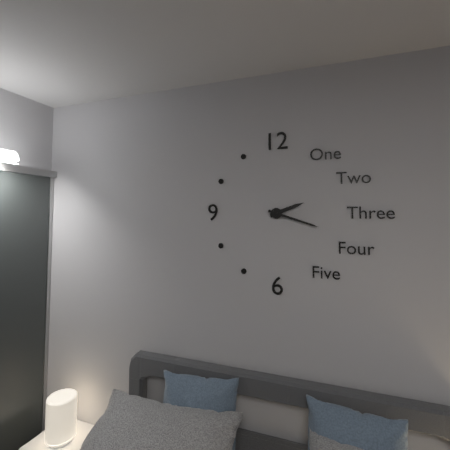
2:18
